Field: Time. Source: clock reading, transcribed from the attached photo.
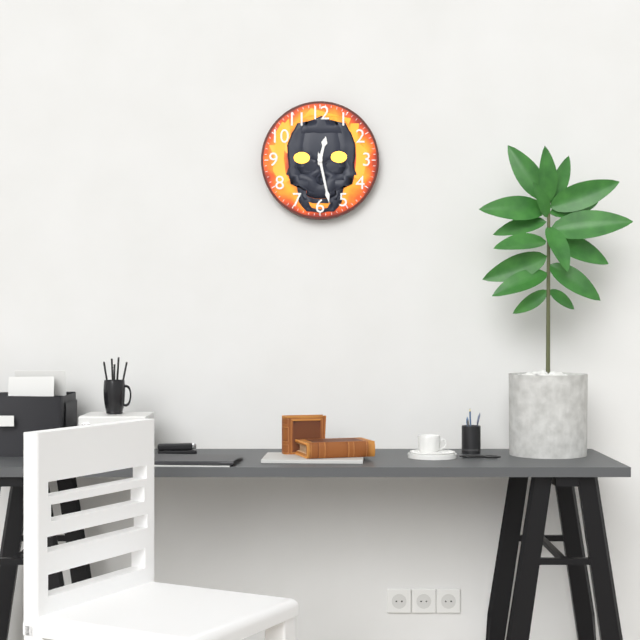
12:28
